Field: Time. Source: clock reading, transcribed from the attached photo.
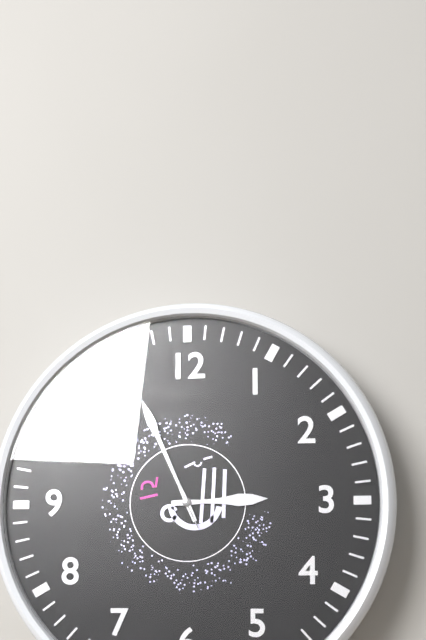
2:56:56
